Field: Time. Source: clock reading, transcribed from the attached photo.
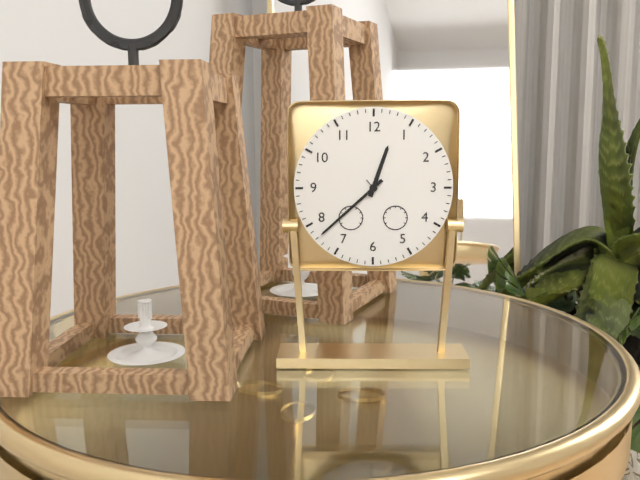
12:38
